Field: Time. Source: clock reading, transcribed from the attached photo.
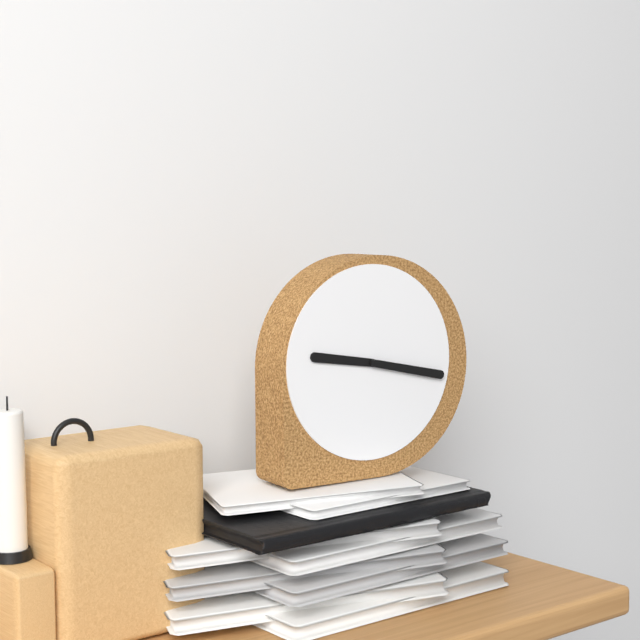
9:17
